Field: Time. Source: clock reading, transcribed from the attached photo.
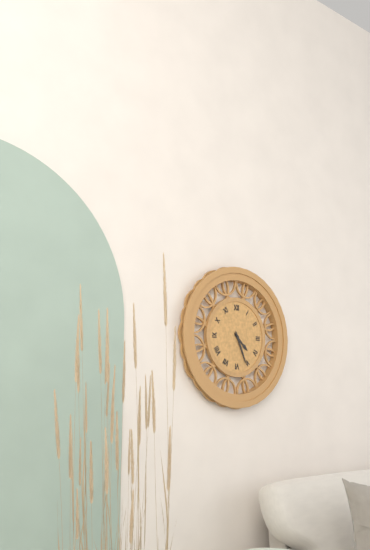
4:26
